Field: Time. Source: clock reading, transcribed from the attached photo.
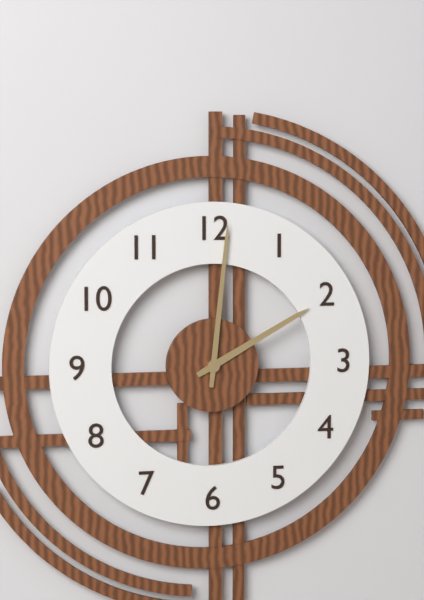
2:01
